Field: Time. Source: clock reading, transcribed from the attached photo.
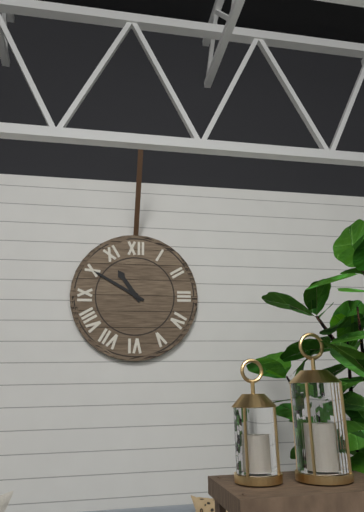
10:50
